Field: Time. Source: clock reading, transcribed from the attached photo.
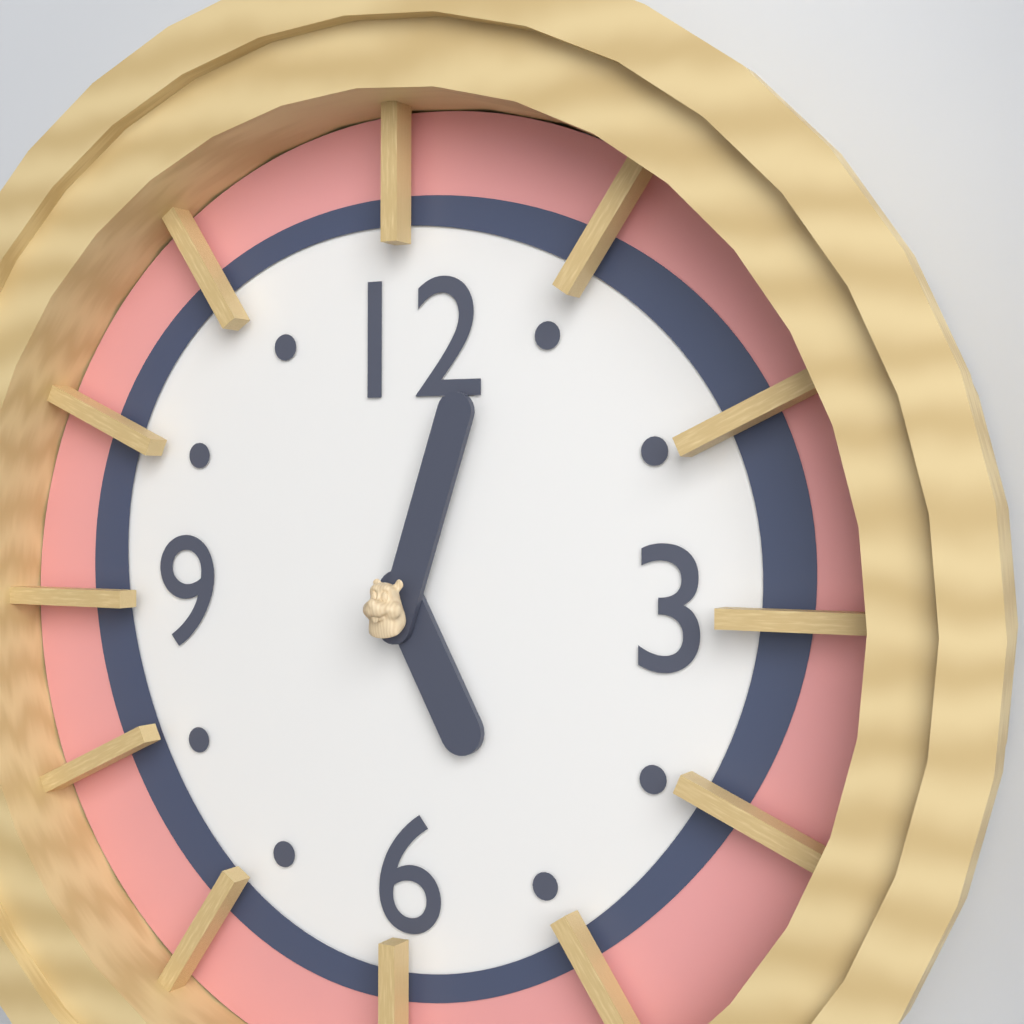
5:03
